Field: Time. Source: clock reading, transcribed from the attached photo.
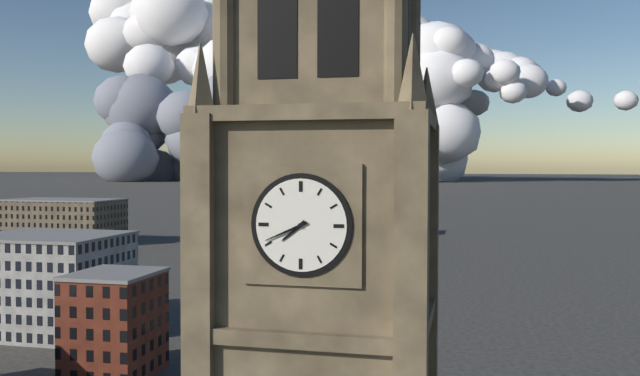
7:41
